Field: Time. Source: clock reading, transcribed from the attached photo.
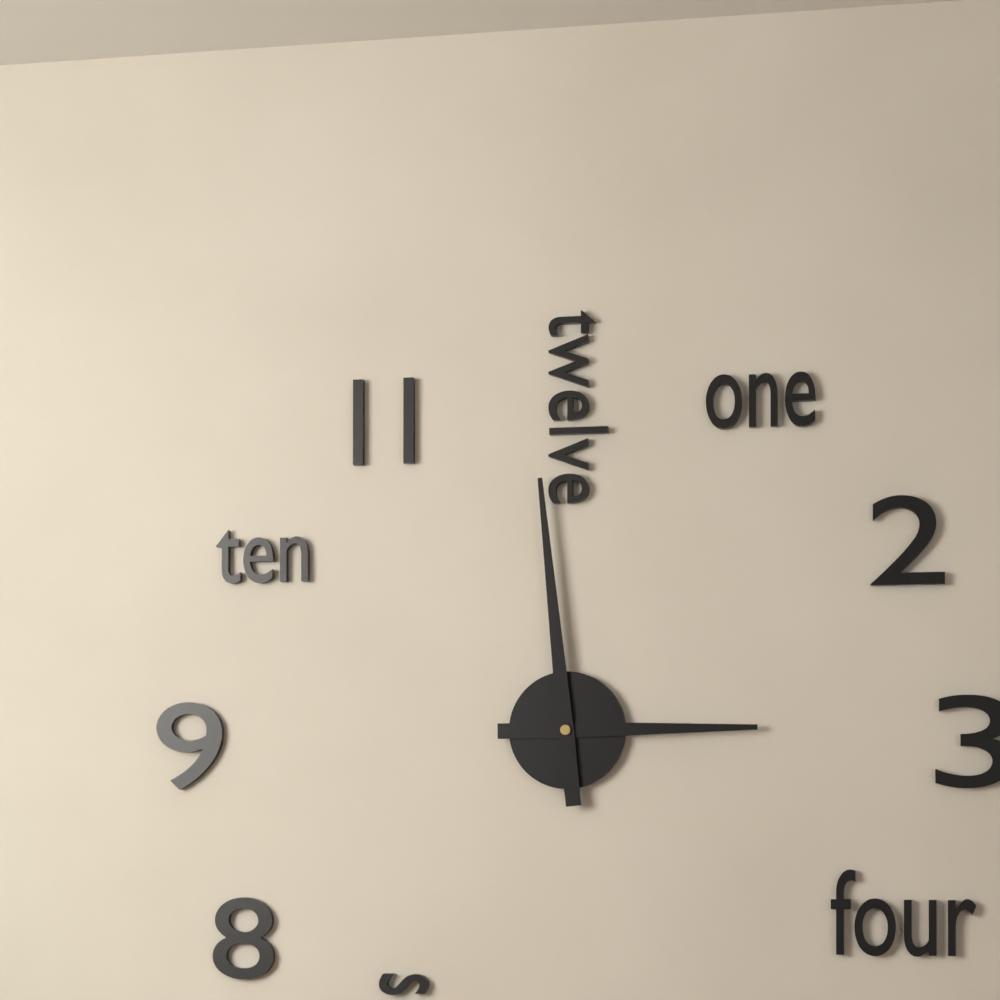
2:59
